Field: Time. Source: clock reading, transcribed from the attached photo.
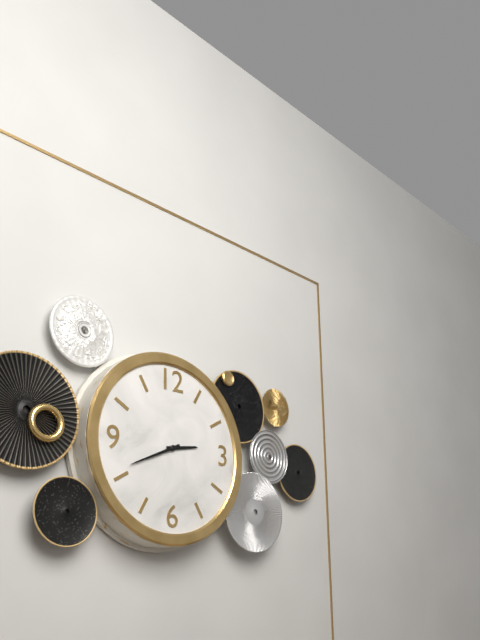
2:41
